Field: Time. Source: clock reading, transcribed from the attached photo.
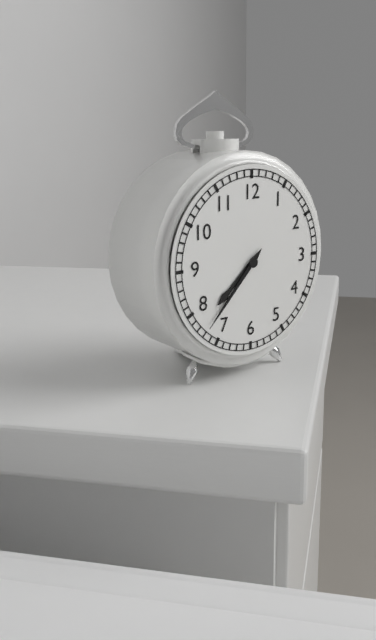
7:37
